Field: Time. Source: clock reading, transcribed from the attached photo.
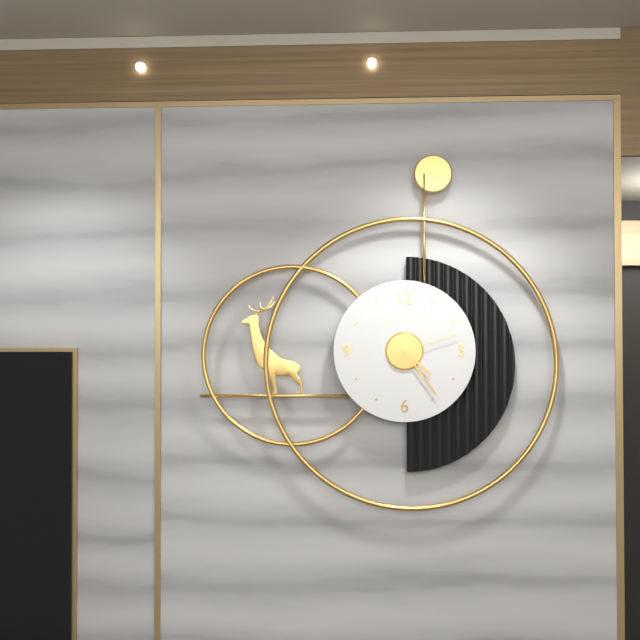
4:24:12
